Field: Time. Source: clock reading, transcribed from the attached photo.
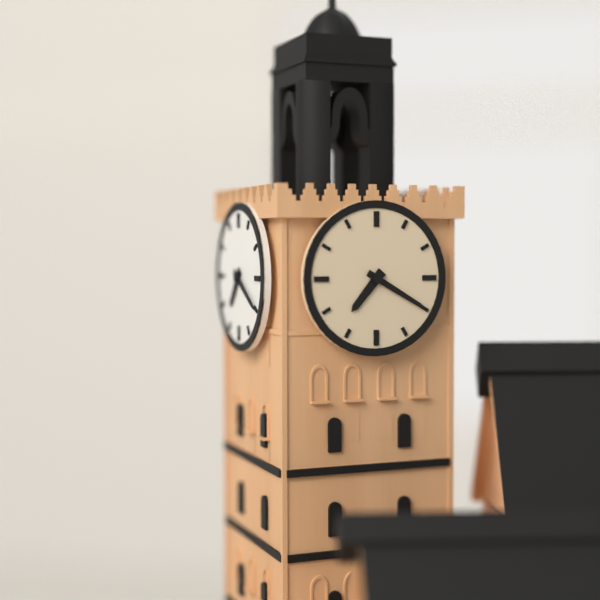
7:20
